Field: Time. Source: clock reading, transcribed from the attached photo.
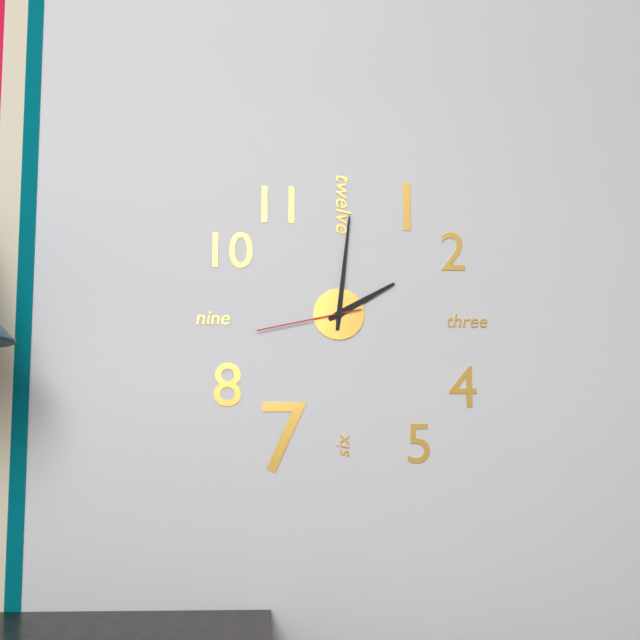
2:01:43
